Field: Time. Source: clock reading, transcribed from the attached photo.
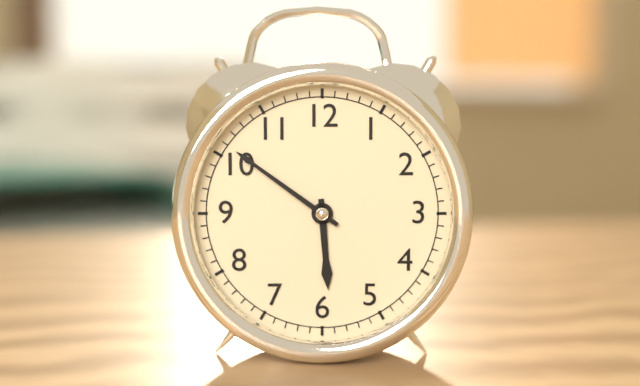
5:51
